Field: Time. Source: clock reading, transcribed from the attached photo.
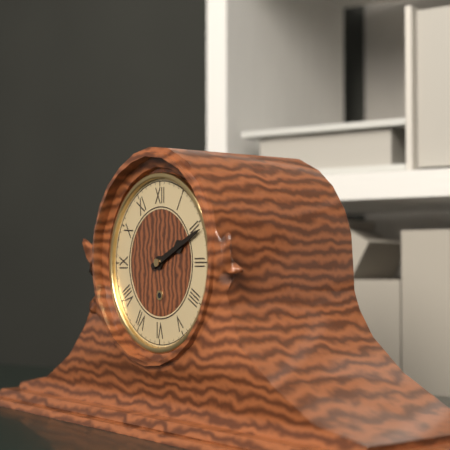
2:11
